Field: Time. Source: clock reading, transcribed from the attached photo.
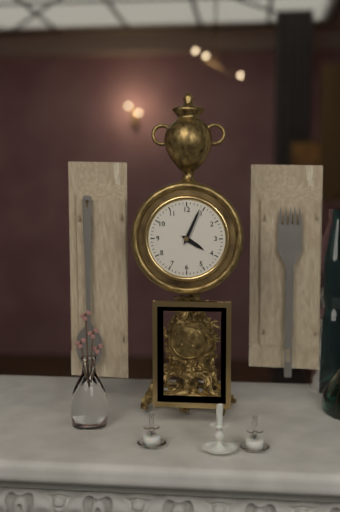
4:04
